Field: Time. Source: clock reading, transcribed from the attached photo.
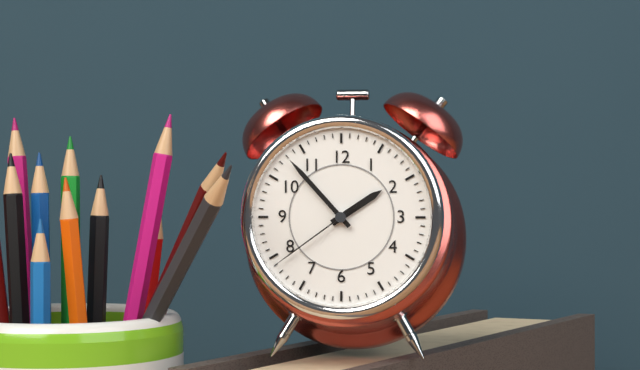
1:53:39
